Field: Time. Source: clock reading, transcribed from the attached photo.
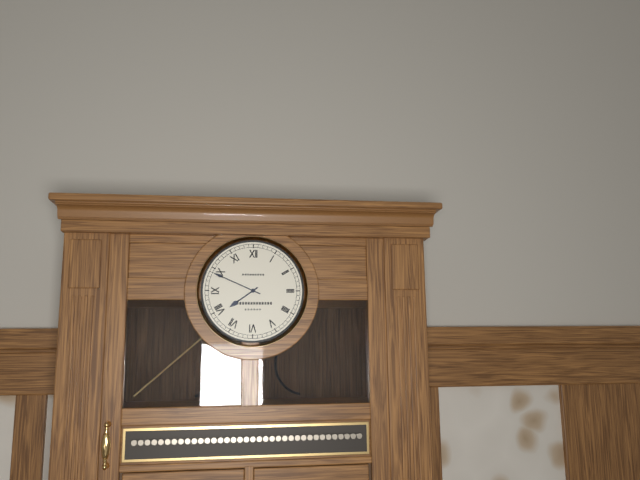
7:49
